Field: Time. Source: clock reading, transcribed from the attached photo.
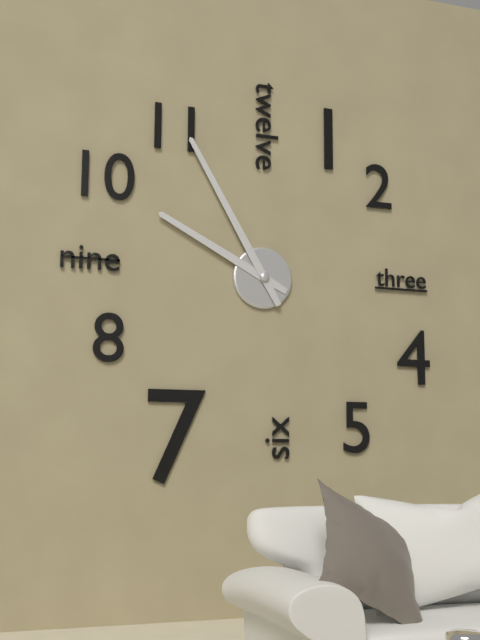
9:55
